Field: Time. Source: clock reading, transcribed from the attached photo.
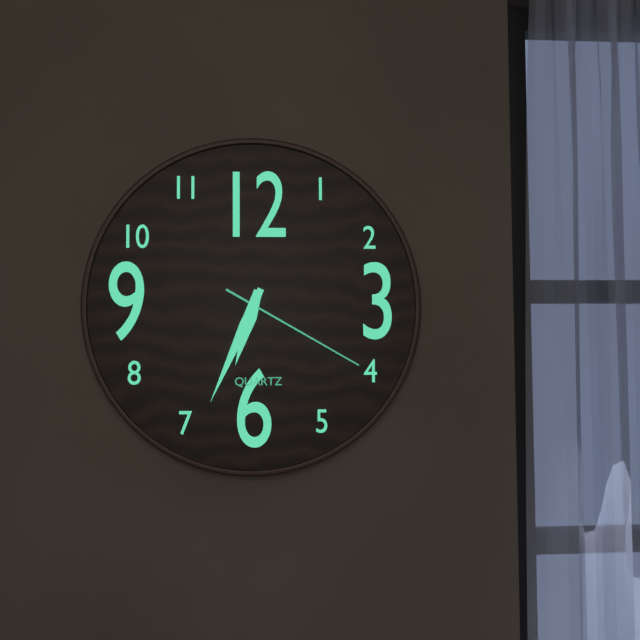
6:34:20
